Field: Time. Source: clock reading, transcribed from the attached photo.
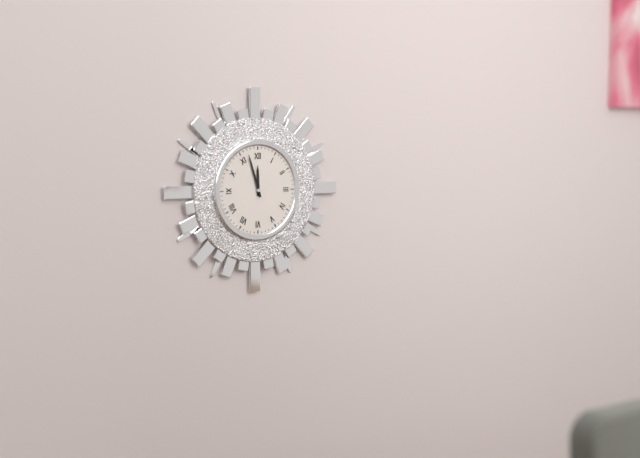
11:57
